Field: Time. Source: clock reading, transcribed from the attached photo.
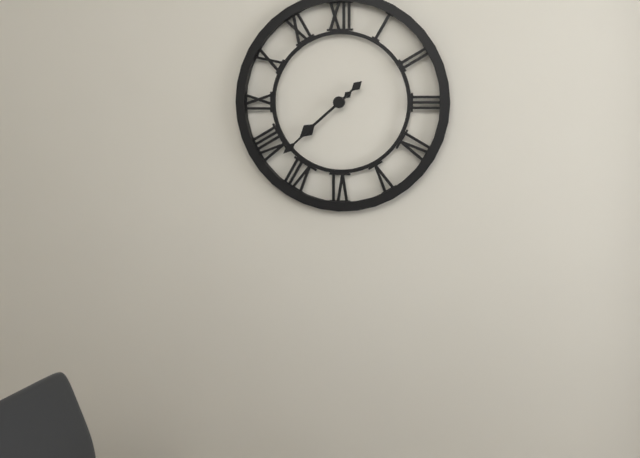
7:38
